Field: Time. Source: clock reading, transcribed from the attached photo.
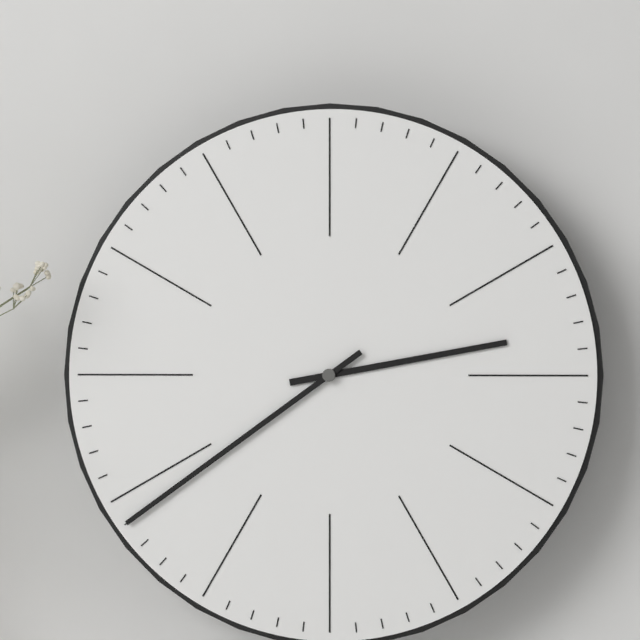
2:39
